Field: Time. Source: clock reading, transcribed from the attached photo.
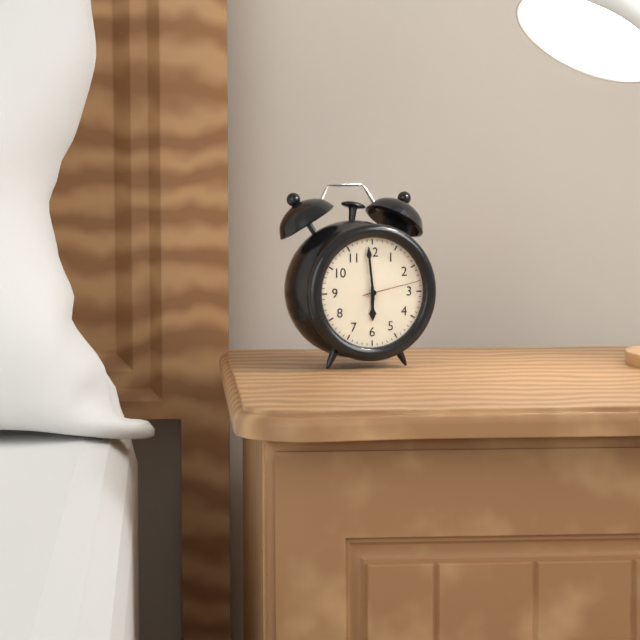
5:59:13
